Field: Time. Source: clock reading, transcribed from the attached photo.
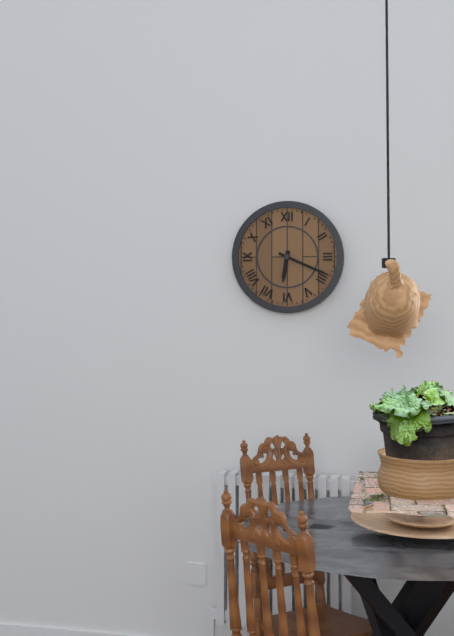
6:19
